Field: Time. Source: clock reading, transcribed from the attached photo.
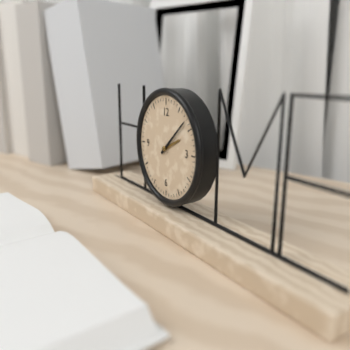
2:08
